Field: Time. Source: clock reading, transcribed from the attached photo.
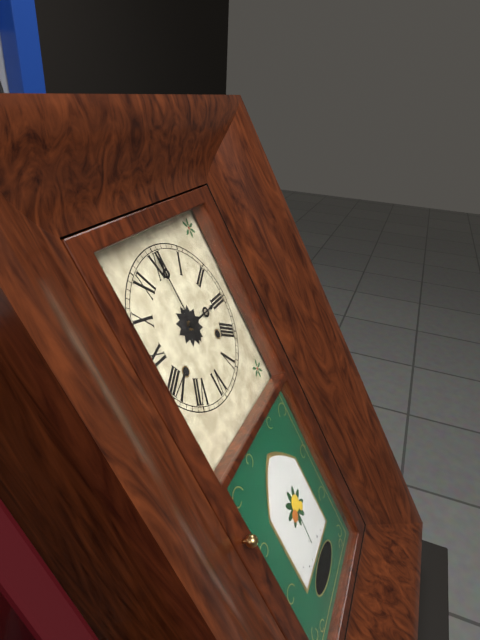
3:00
